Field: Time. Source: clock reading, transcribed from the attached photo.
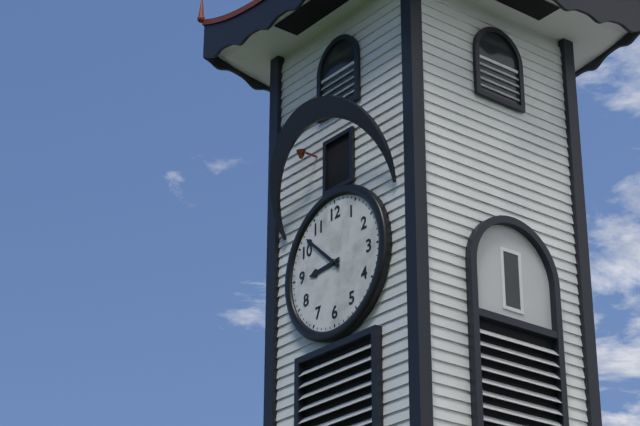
8:52
